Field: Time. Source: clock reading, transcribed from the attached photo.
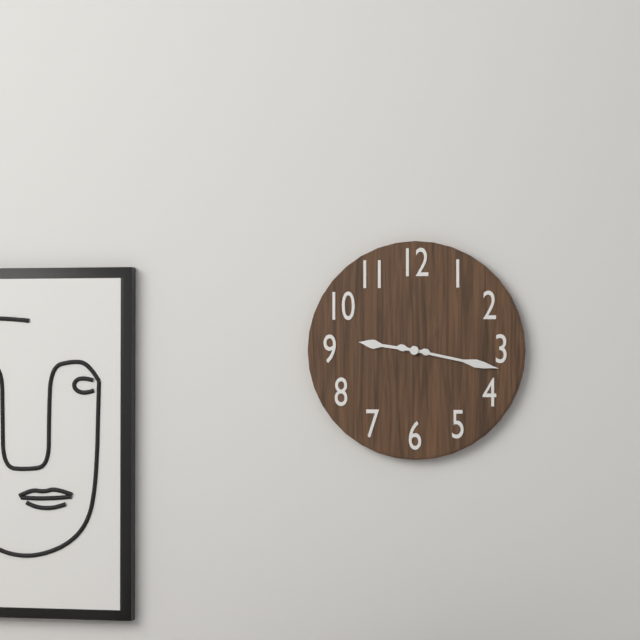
9:17
